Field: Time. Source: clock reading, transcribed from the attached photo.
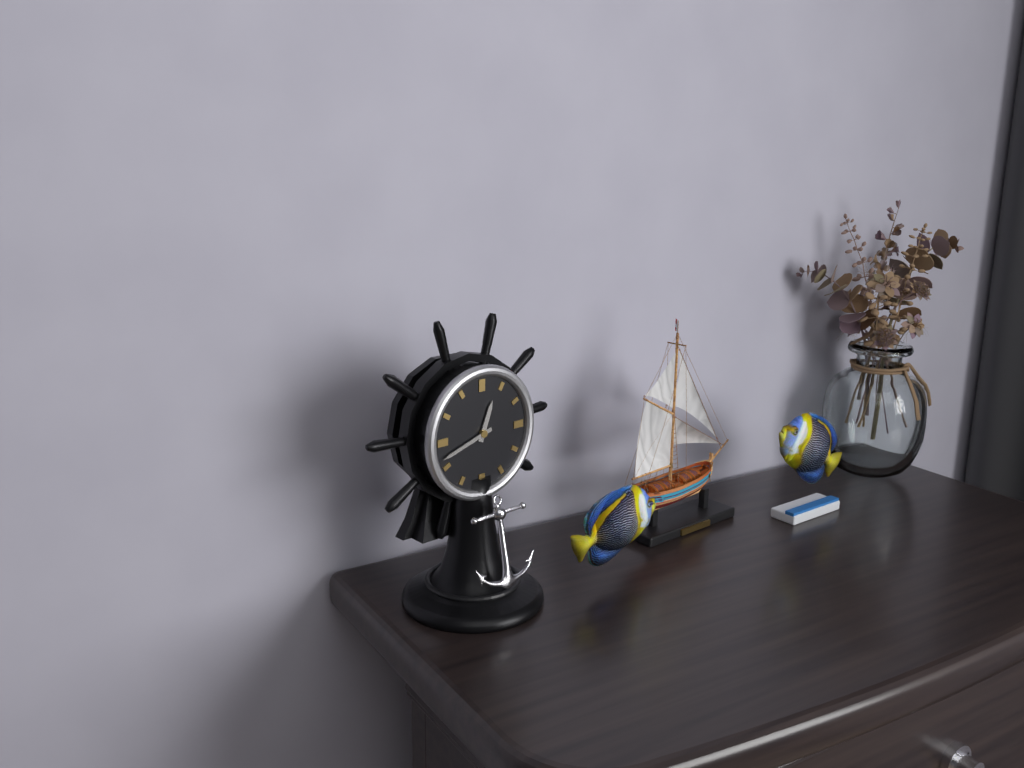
12:42
